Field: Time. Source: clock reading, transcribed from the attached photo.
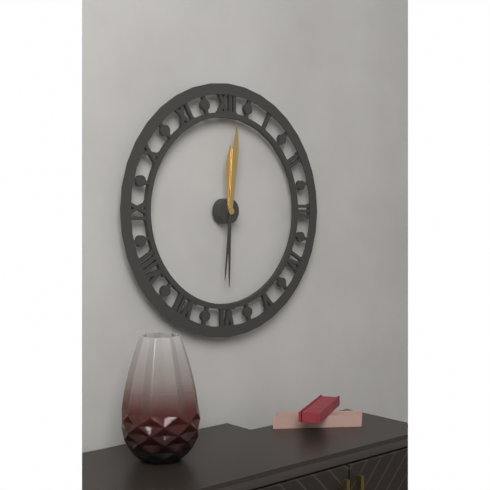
12:01
